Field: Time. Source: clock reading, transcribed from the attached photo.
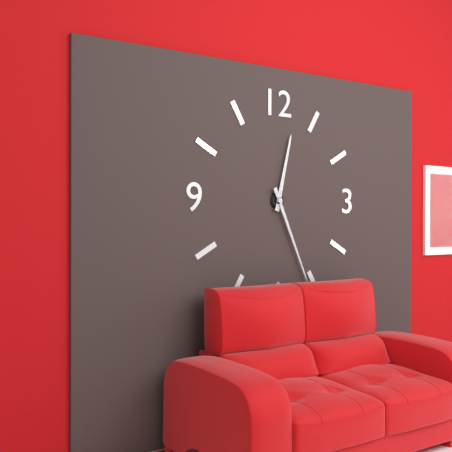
12:26
